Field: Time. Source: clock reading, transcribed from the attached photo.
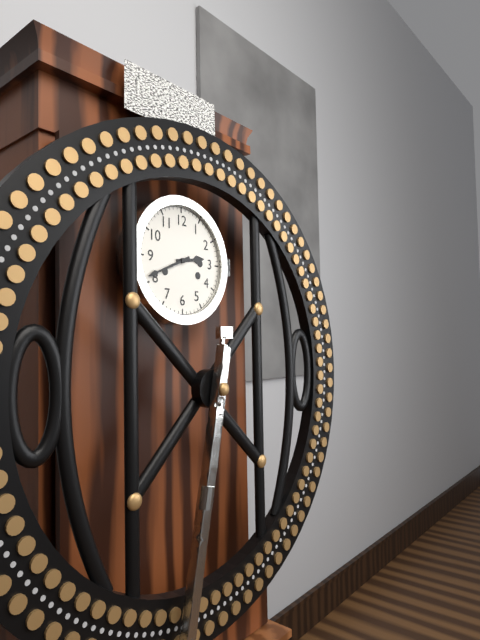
2:41
